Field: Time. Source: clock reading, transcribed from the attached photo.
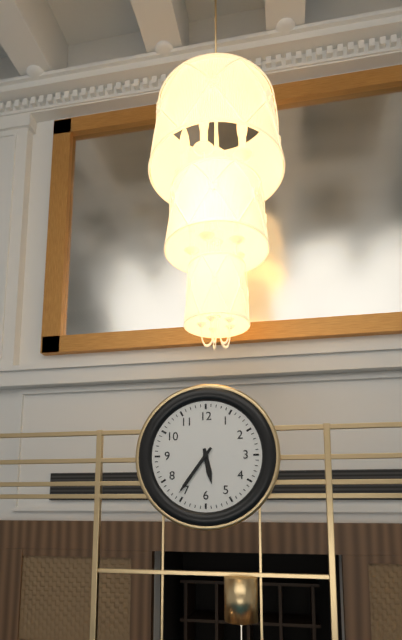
5:36
